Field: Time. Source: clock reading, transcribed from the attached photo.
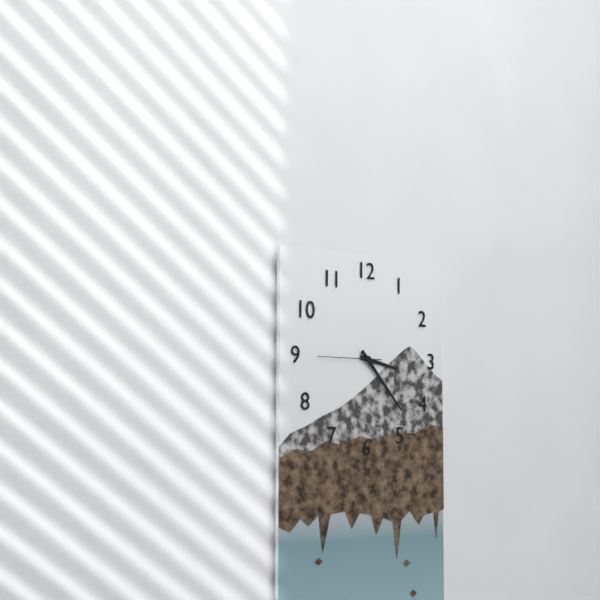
3:23:45
